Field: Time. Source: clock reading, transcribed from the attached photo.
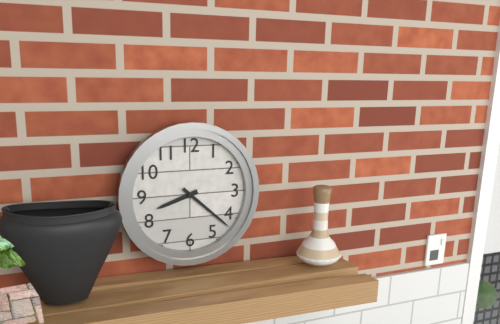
8:22
